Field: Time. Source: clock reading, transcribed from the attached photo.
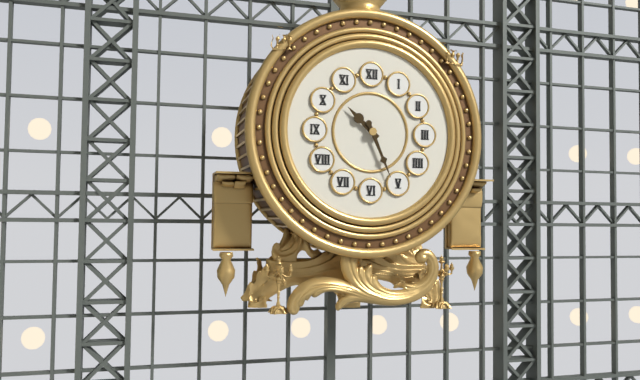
10:26
